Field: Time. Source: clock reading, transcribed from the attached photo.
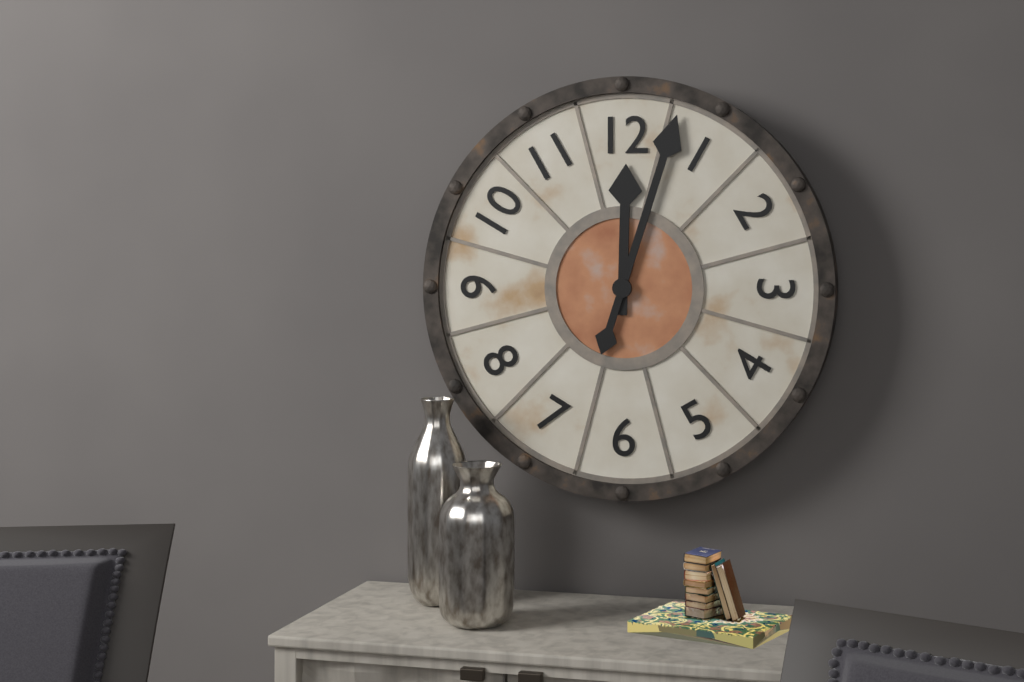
12:03
